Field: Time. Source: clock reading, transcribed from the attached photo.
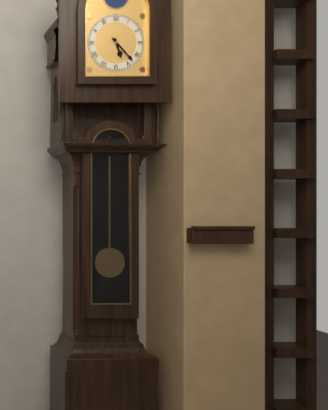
5:23
